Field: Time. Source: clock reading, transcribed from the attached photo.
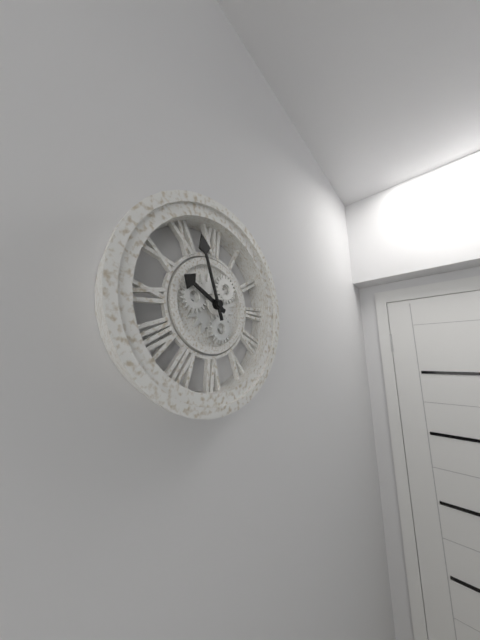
9:57
